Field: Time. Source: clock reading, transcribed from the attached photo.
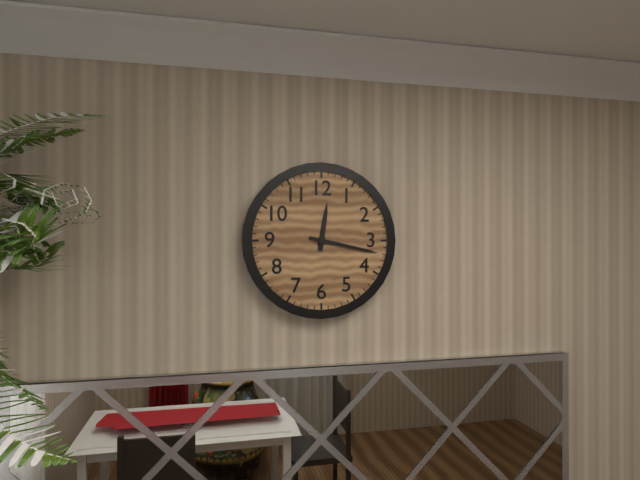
12:17
